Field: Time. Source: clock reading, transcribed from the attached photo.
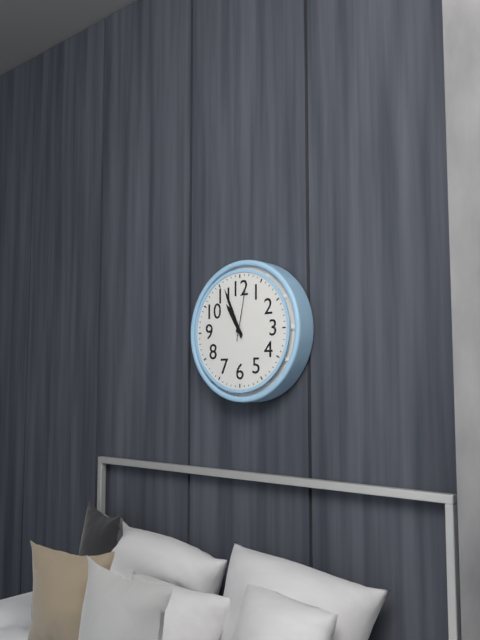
10:56:02
